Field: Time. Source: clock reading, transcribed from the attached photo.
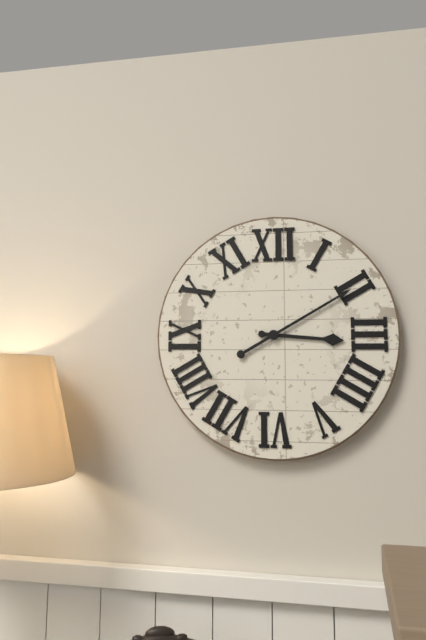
3:10
